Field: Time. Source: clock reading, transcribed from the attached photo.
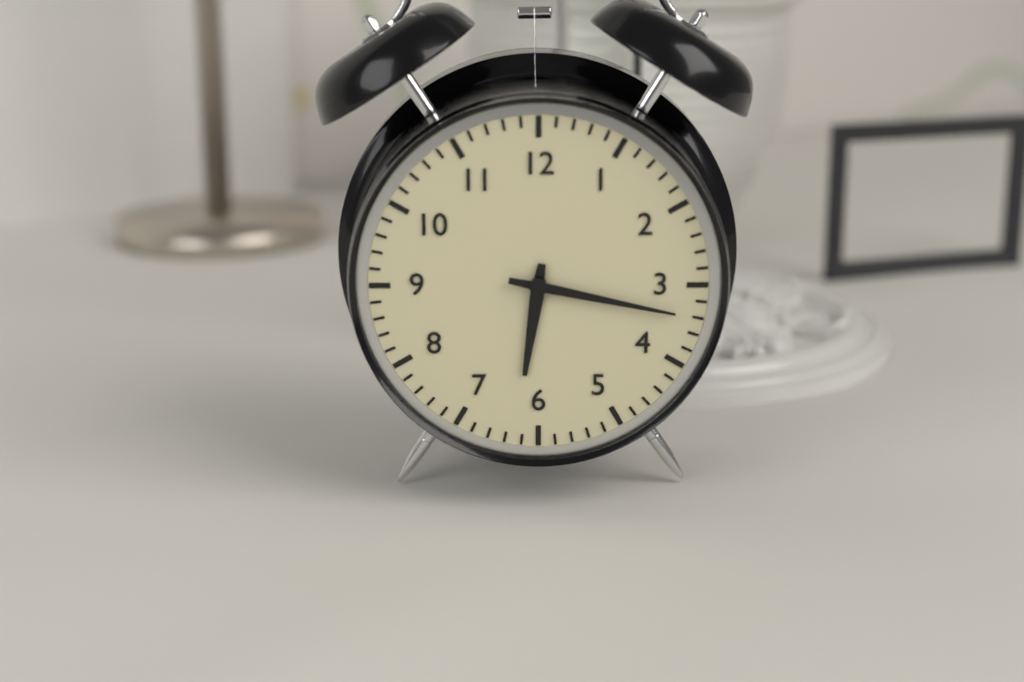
6:17
